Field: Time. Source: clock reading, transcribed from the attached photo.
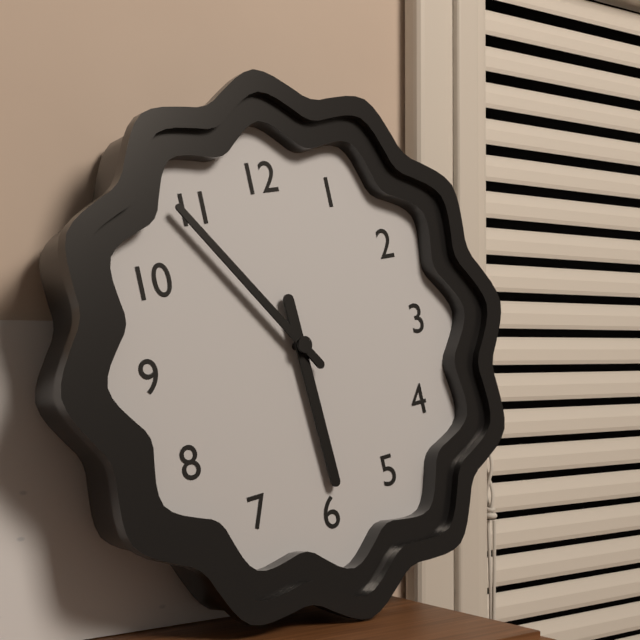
5:54
